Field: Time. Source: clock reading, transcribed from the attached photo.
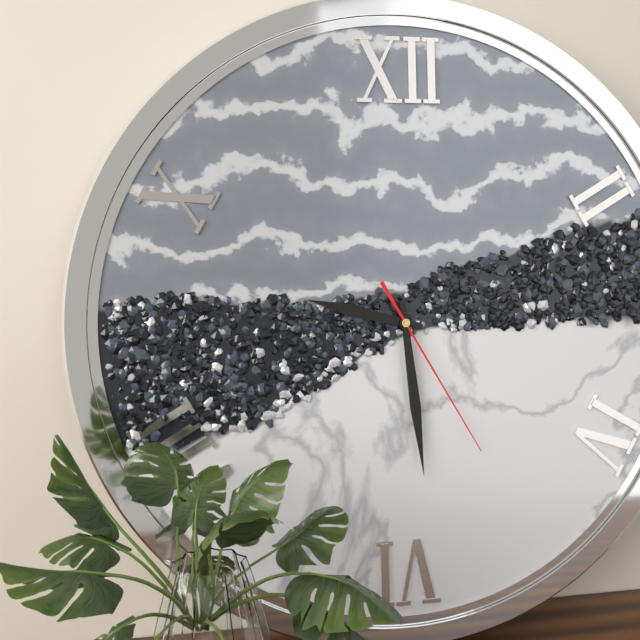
9:29:25
